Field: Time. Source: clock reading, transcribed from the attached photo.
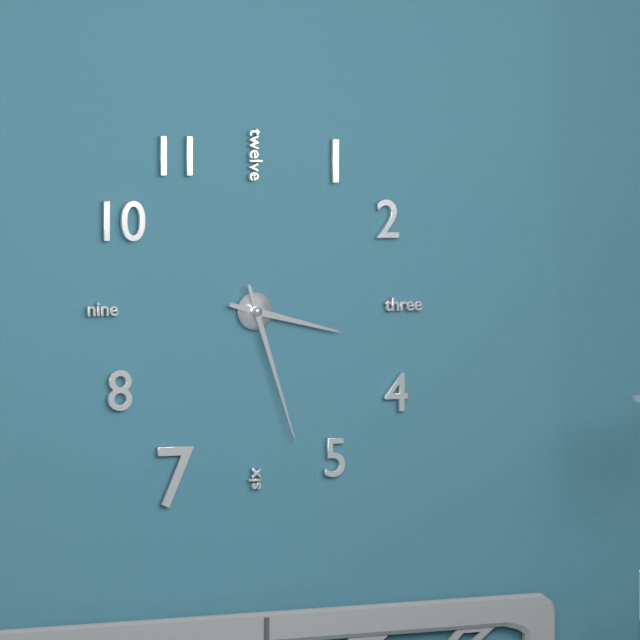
3:27
